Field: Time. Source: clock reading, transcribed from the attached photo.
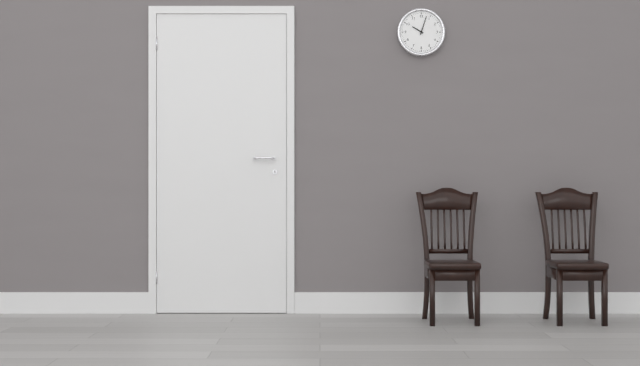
10:03
